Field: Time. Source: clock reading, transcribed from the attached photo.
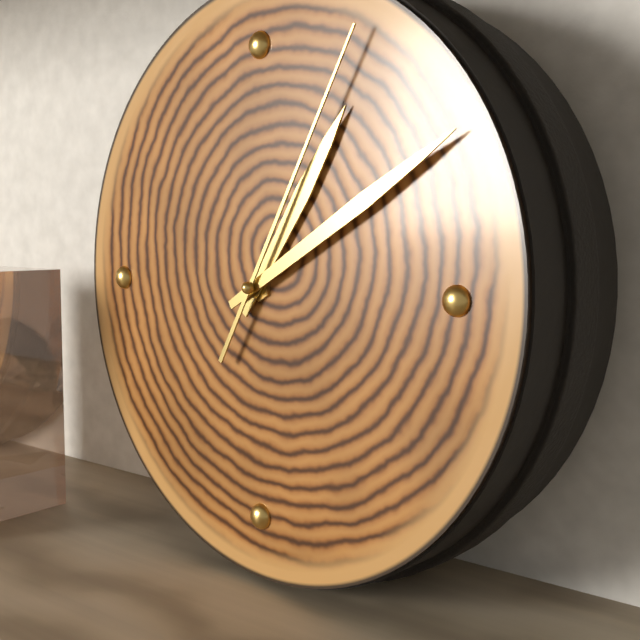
1:10:05
